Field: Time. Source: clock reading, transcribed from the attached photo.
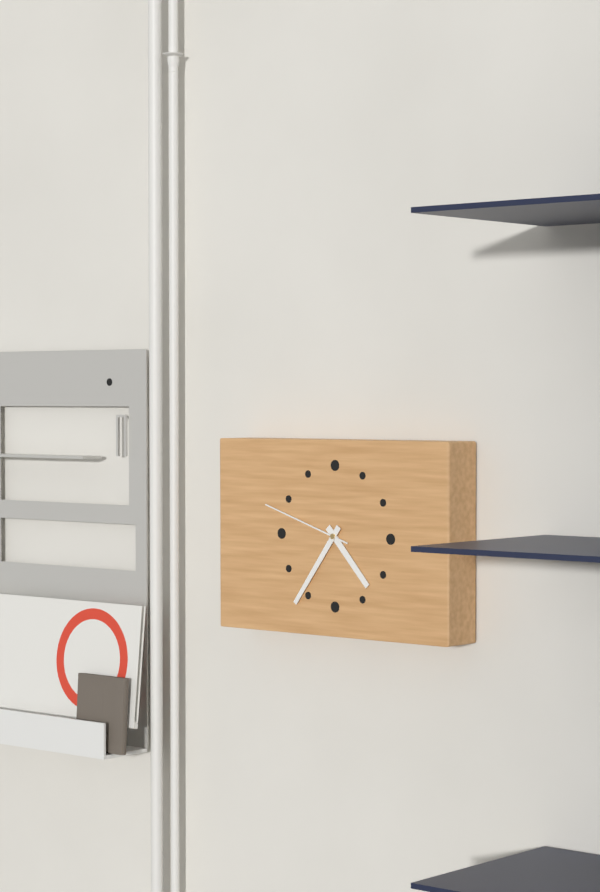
4:36:48
